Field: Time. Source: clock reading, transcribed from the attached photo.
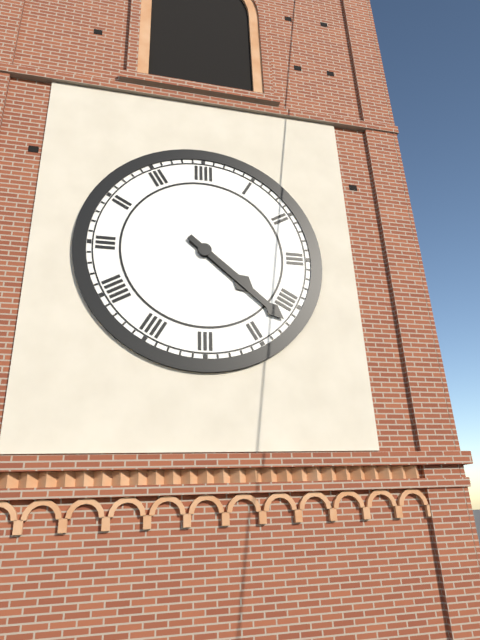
4:22
